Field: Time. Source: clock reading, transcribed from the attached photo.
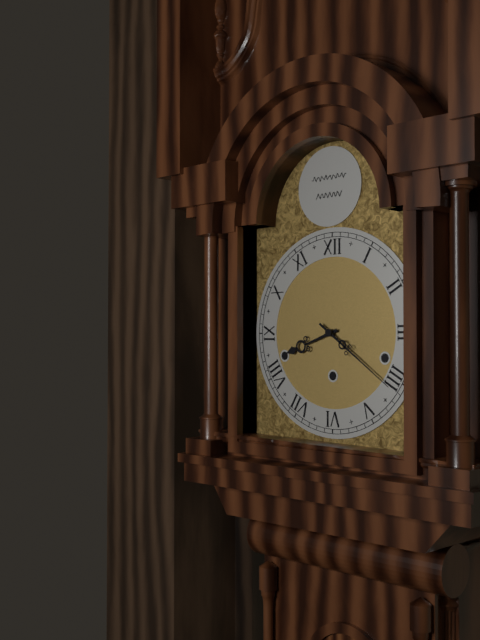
8:21
